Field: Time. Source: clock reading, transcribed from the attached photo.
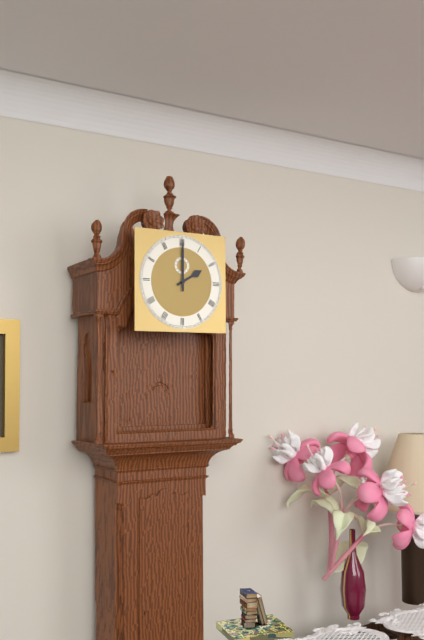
2:00
